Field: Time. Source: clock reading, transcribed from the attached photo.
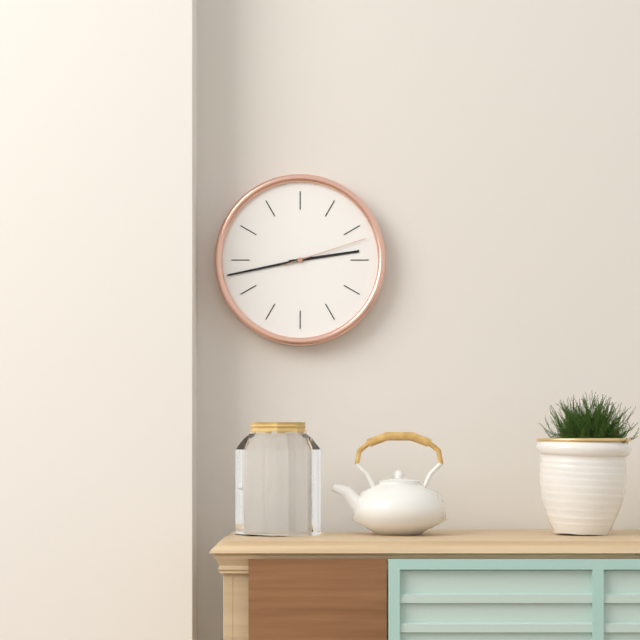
2:43:12
